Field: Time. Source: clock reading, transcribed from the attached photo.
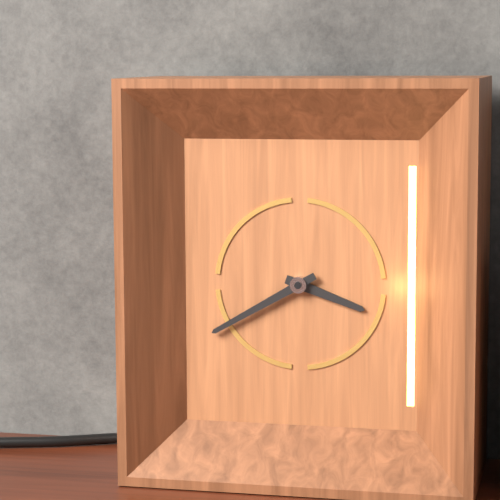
3:40
